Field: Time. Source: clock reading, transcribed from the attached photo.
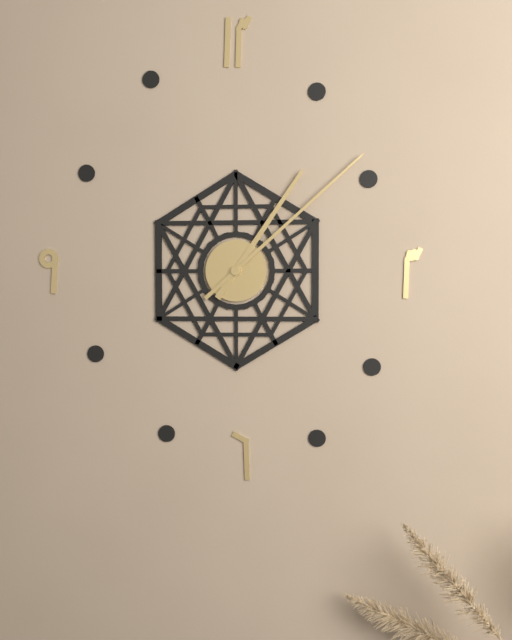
1:08
